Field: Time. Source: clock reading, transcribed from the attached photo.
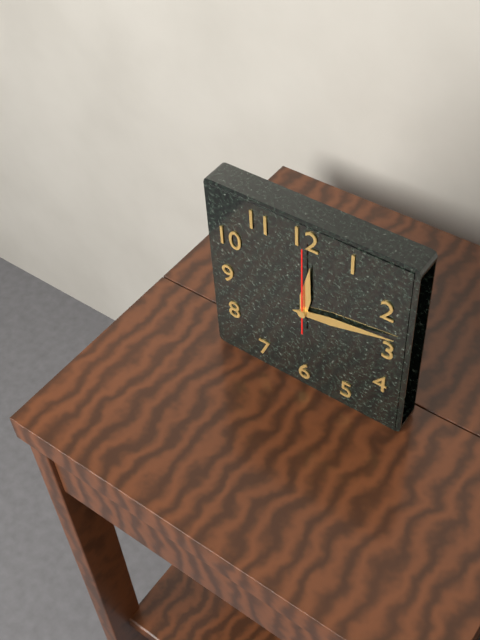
12:13:00
